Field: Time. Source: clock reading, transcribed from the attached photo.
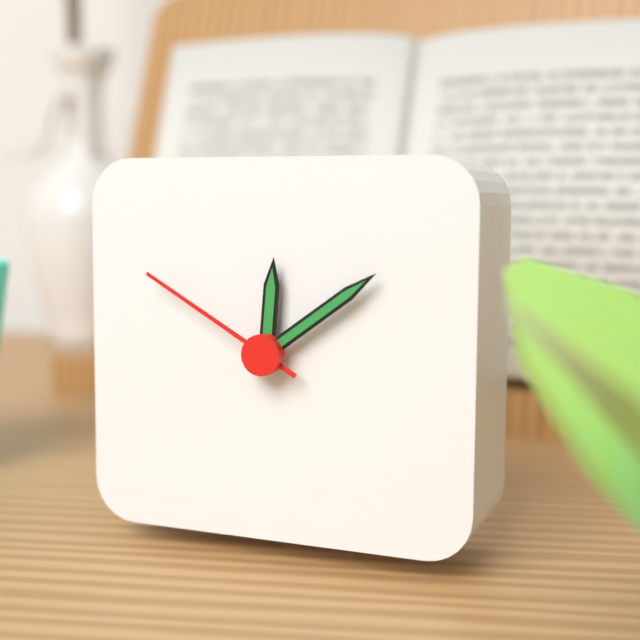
12:09:50
